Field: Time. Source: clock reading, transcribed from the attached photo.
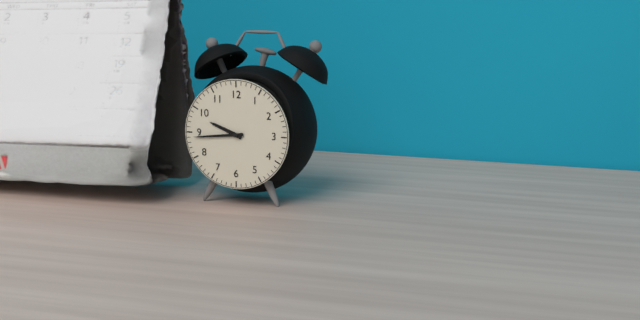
9:44
